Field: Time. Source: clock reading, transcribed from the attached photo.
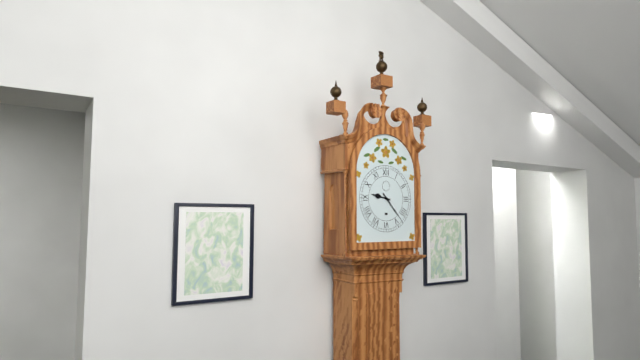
9:23
